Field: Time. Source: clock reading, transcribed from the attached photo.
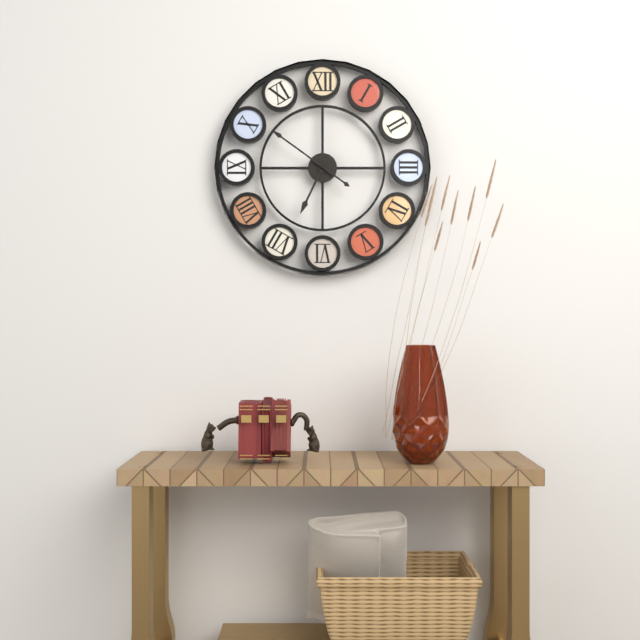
6:51
